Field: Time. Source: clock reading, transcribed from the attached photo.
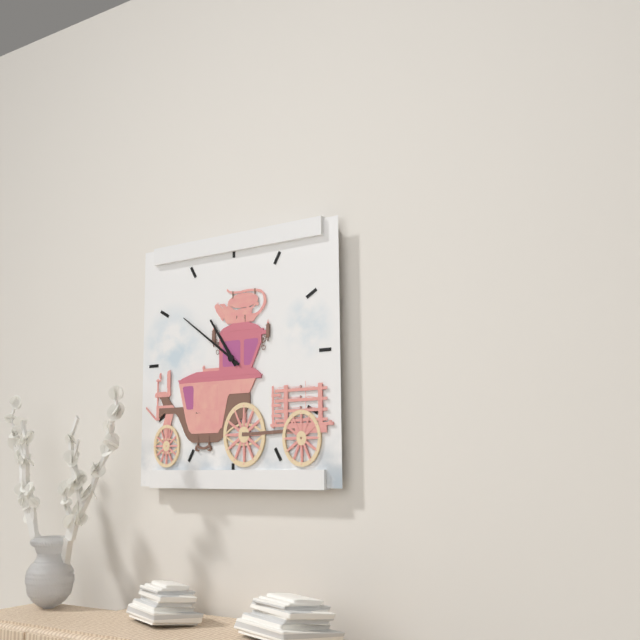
10:51
